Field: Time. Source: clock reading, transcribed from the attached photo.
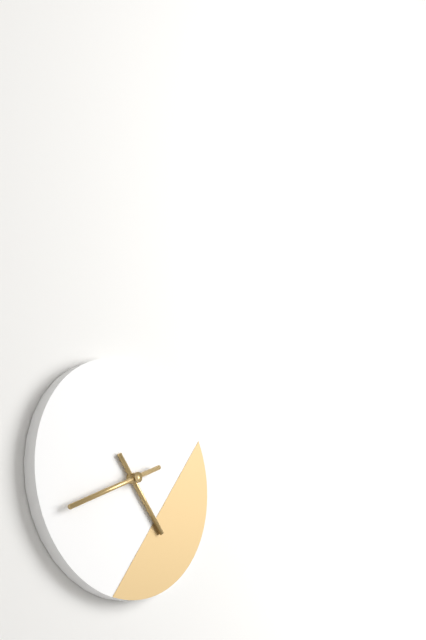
4:41
